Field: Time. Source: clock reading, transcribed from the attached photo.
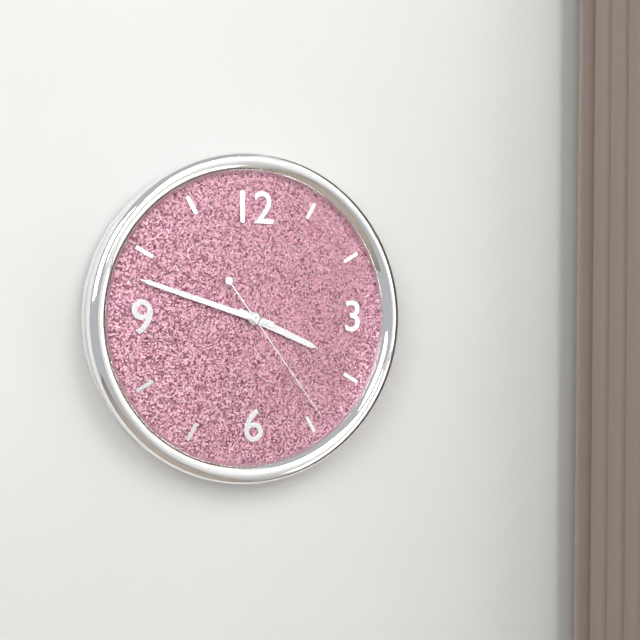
3:48:24
